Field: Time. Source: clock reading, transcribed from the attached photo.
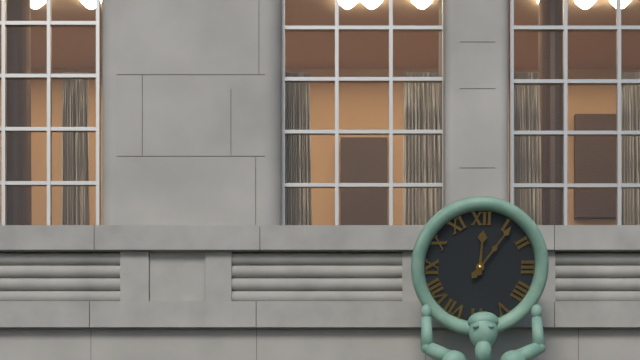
12:06
